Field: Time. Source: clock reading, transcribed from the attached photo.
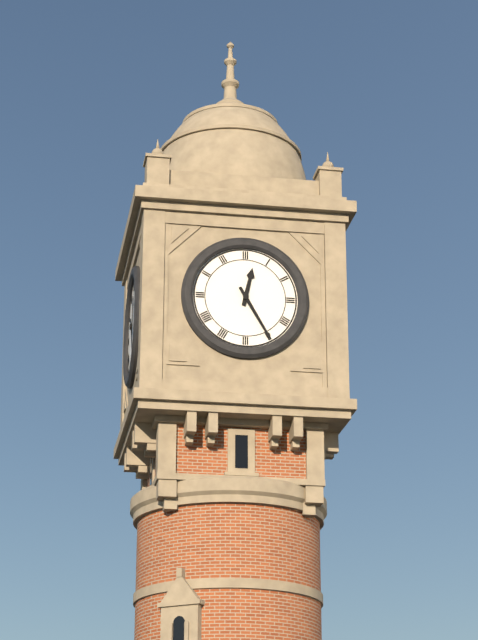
12:25
